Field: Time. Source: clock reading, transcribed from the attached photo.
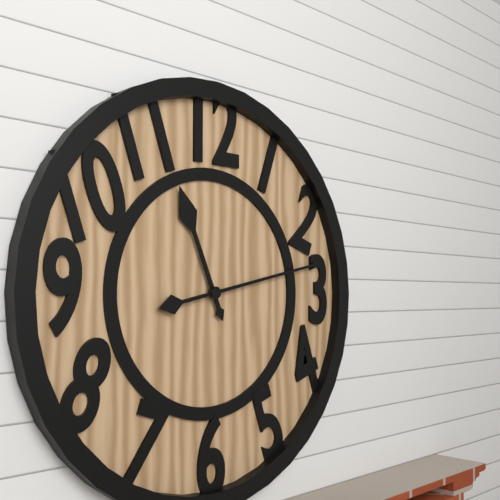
11:13
